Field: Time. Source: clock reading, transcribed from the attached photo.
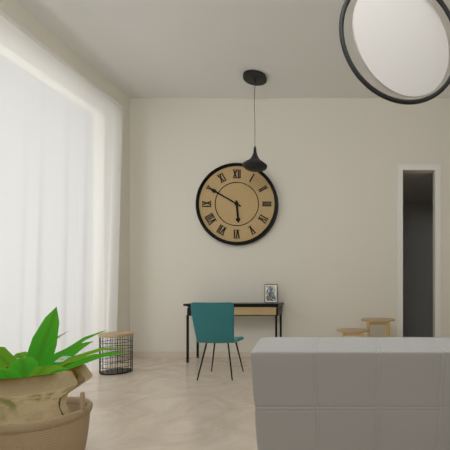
5:50
